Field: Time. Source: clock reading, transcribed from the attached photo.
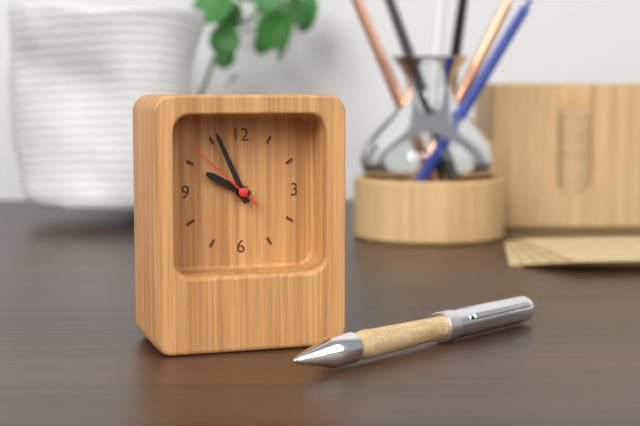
9:56:52
